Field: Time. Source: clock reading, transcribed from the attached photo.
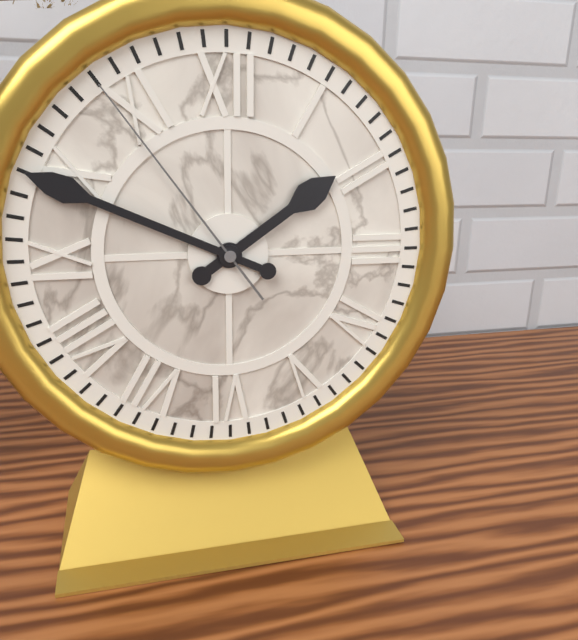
1:49:54
